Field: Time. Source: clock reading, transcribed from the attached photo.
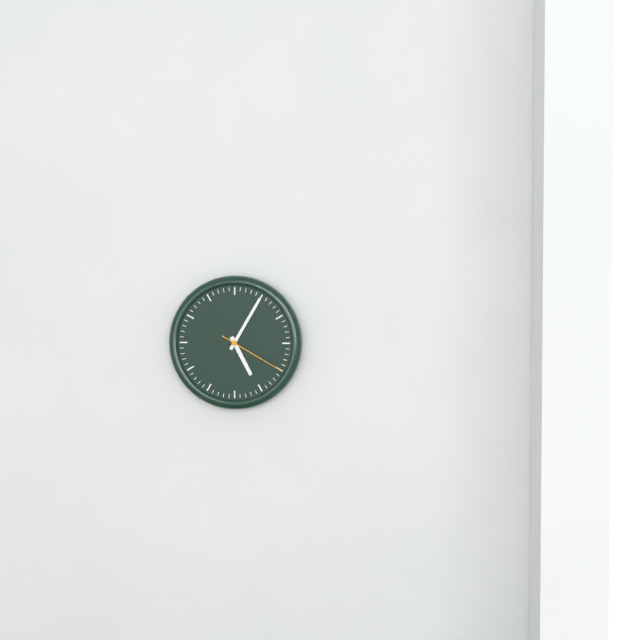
5:05:20
